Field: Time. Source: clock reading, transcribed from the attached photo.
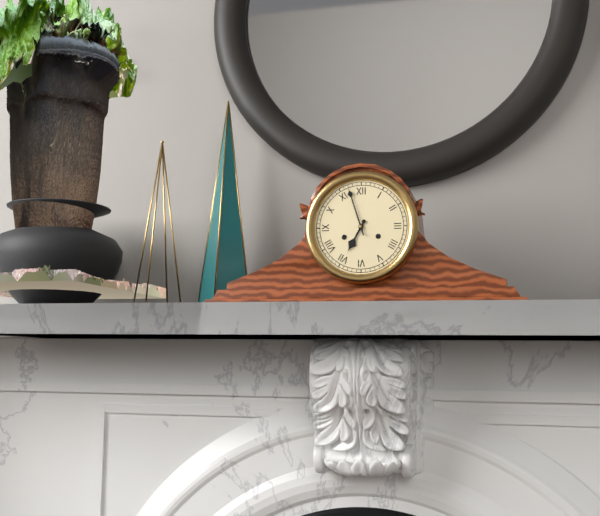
6:57
